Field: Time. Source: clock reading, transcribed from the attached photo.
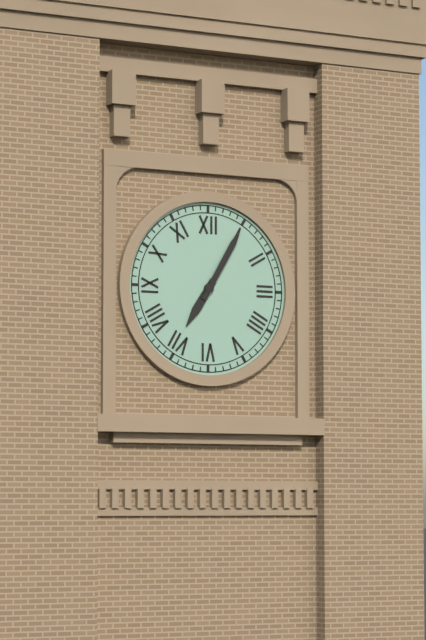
7:05
